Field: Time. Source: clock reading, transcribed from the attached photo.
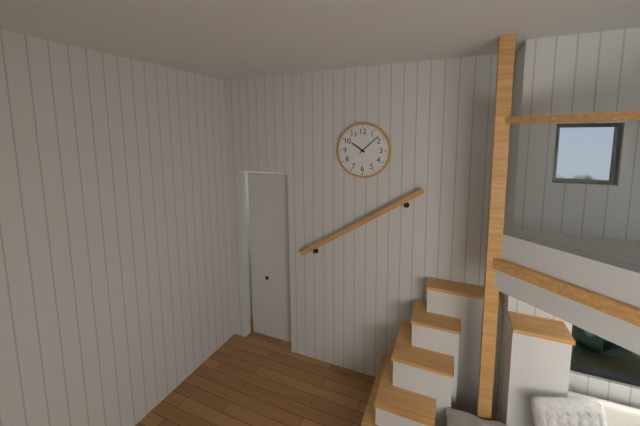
10:08
